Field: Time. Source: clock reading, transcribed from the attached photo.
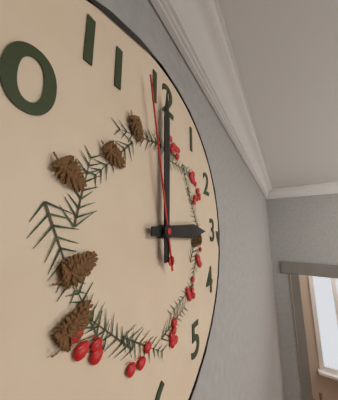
3:00:58
